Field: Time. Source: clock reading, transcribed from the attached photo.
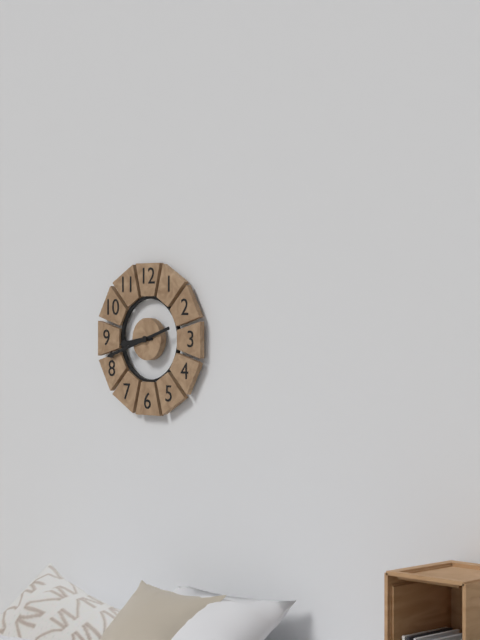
8:42
